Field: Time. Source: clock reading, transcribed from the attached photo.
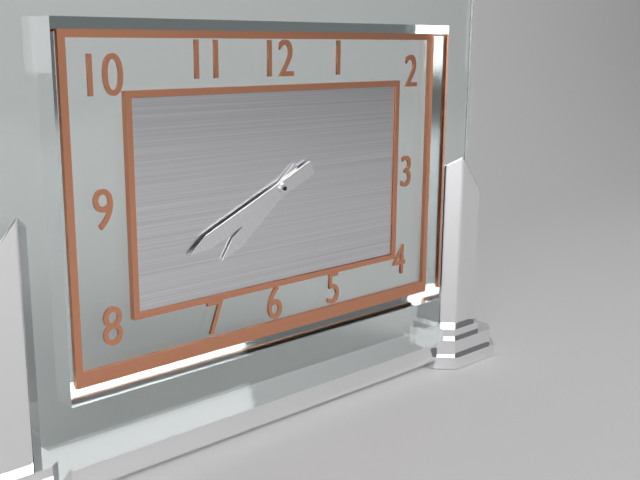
7:41
